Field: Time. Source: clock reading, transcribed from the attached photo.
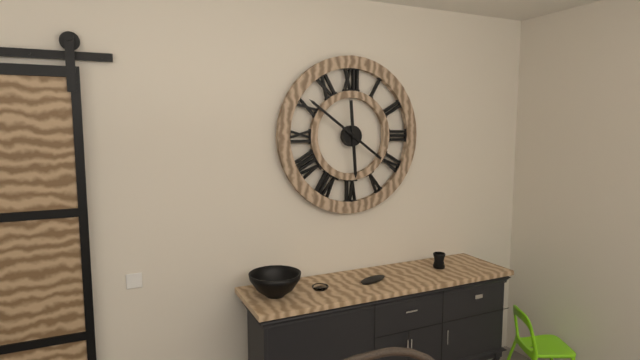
5:51
